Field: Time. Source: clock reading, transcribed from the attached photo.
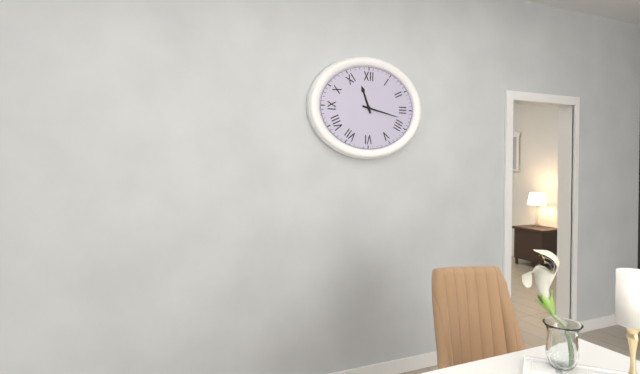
11:17
